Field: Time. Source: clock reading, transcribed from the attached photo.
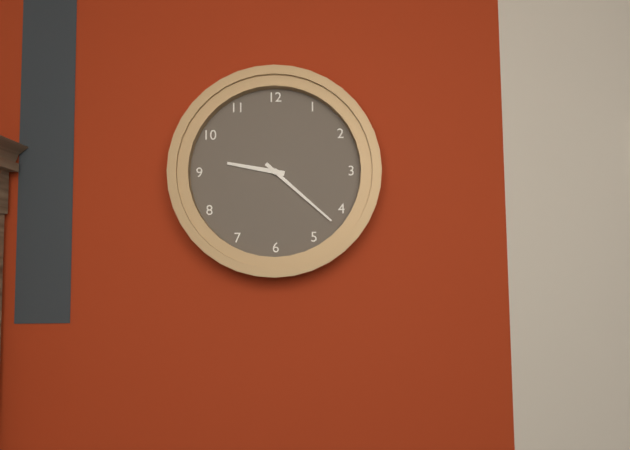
9:22
